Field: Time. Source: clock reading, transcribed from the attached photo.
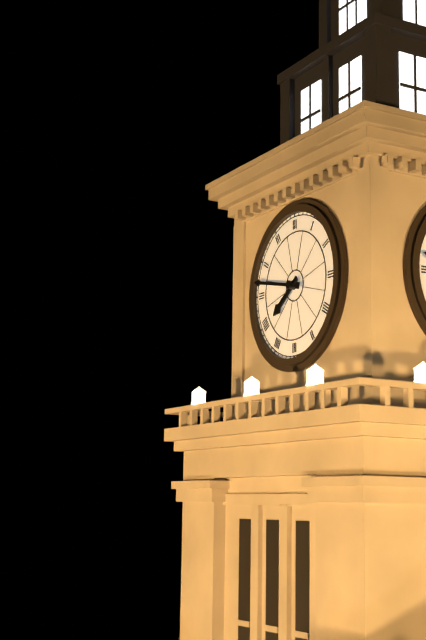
7:47
